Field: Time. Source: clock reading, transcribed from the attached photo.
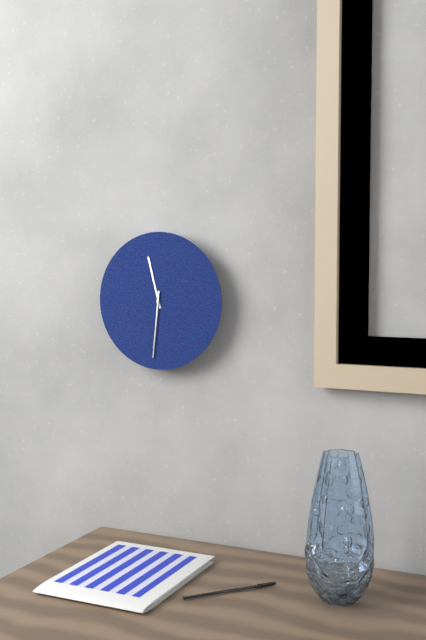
11:31
